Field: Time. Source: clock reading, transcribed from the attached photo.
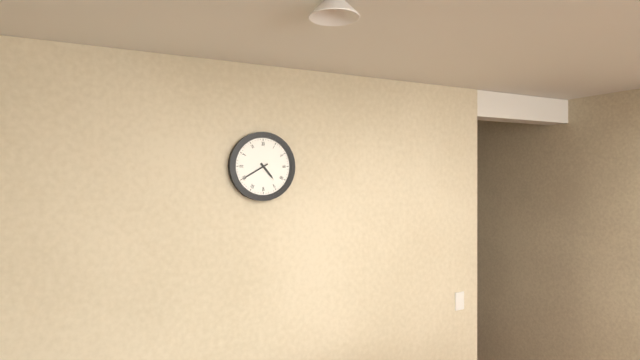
4:40
